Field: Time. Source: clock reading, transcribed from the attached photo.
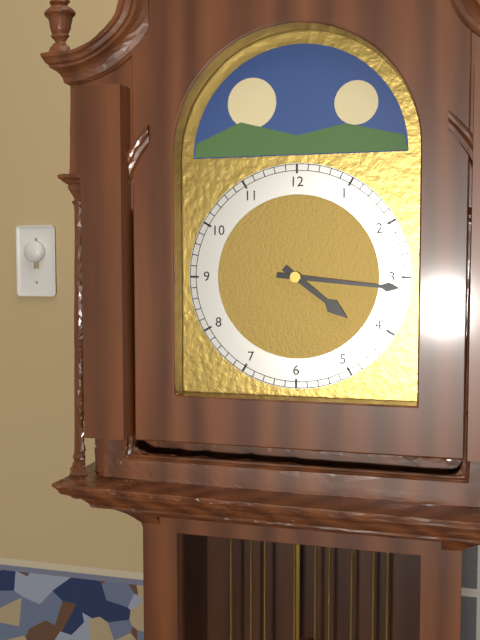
4:16
